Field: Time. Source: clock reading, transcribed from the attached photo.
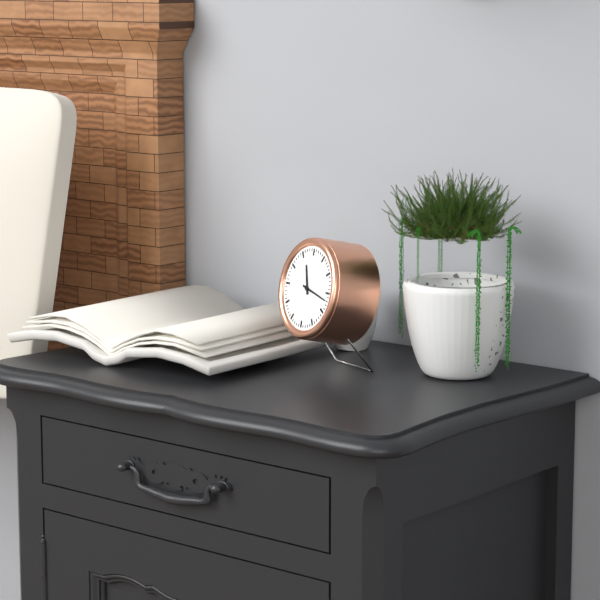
11:17
